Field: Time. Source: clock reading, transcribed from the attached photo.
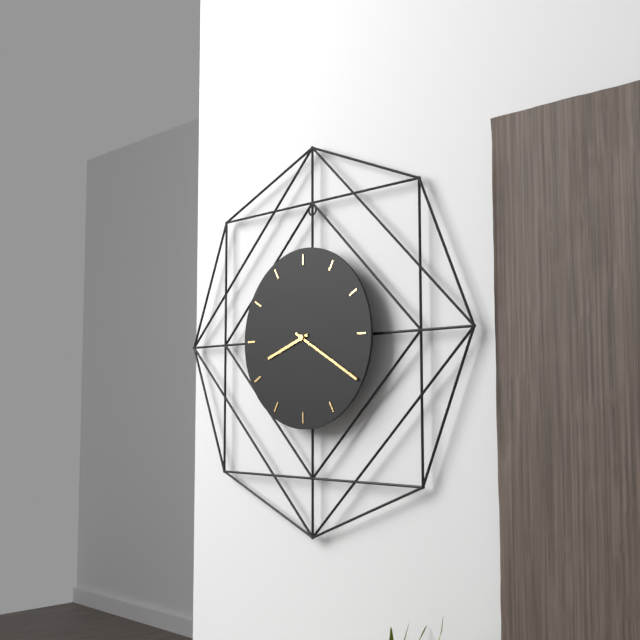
8:20
